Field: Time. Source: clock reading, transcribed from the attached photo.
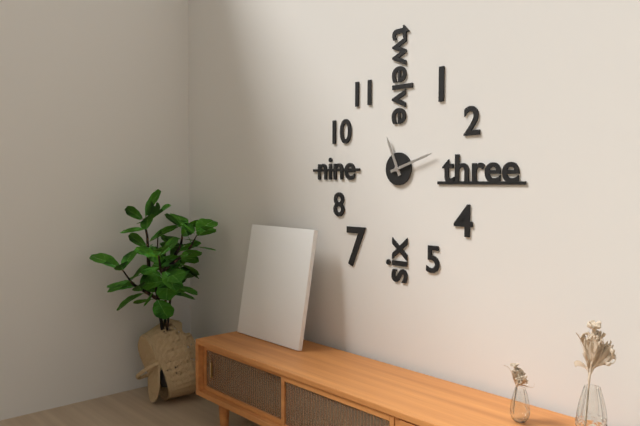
11:12
